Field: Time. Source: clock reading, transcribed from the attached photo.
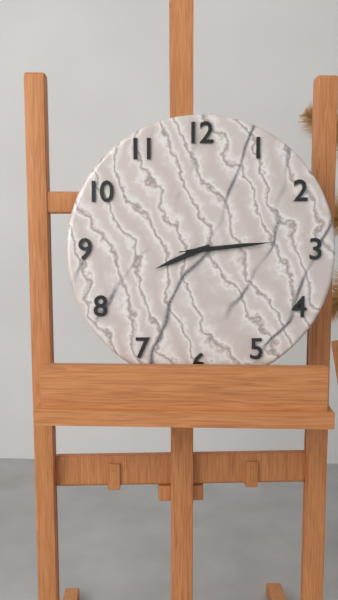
8:14:14
